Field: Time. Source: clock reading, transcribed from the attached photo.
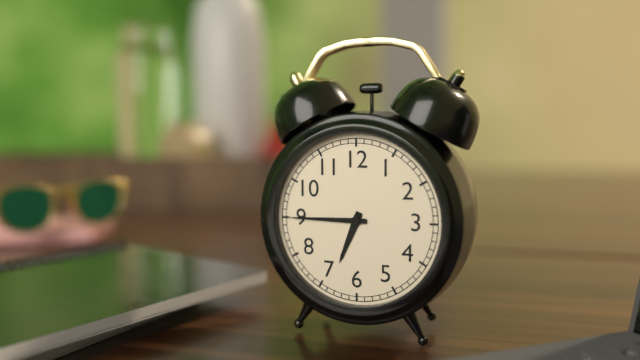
6:45
